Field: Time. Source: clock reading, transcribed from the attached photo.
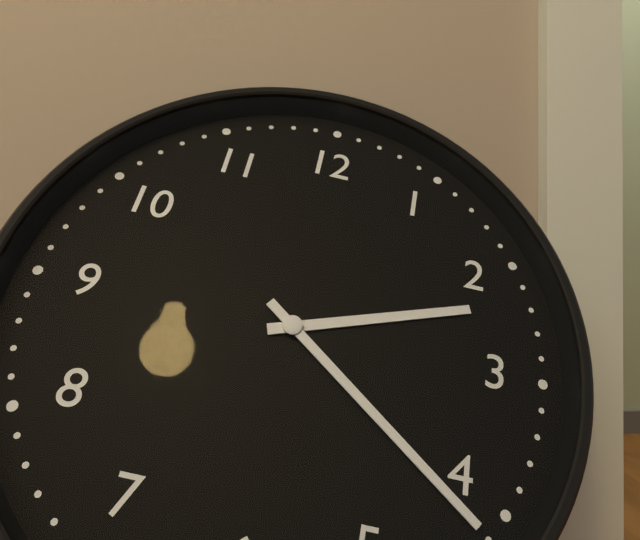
2:21
